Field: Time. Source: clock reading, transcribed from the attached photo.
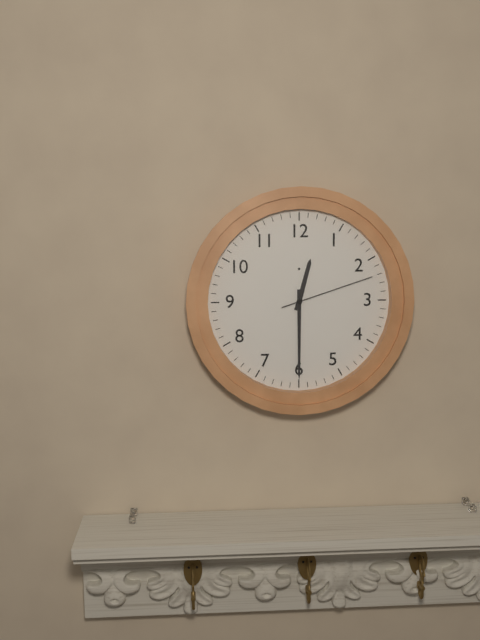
12:30:12
